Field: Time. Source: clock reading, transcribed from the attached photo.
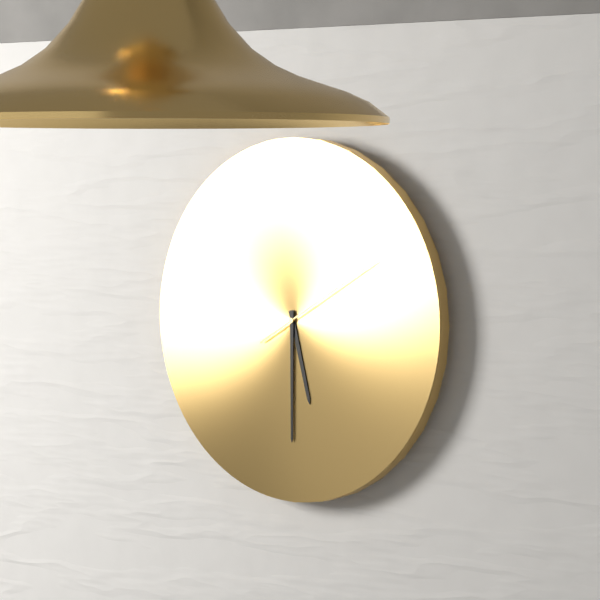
5:30:10
